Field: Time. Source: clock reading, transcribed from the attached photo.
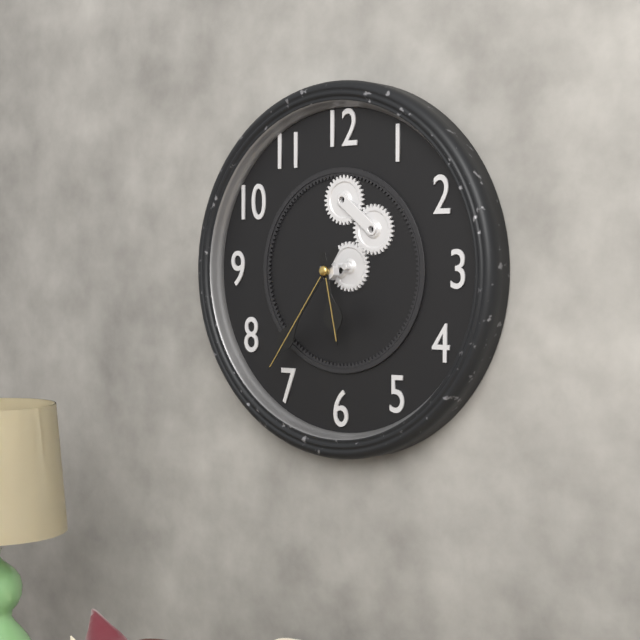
5:36
